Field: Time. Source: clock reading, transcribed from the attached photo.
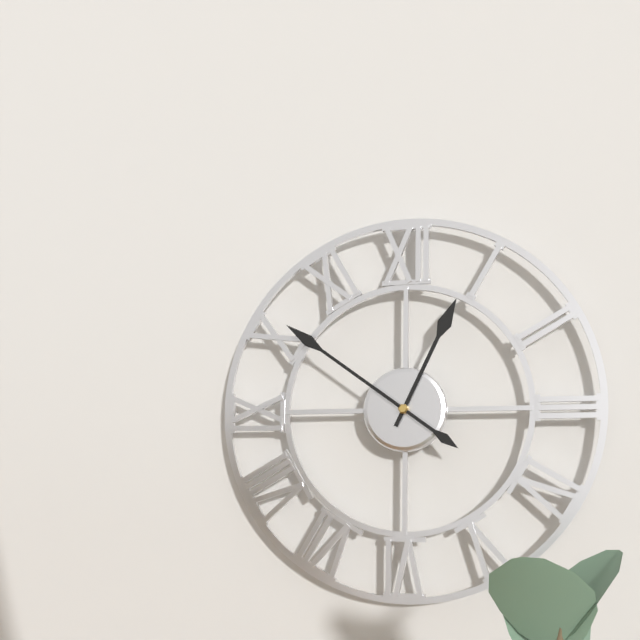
12:51
